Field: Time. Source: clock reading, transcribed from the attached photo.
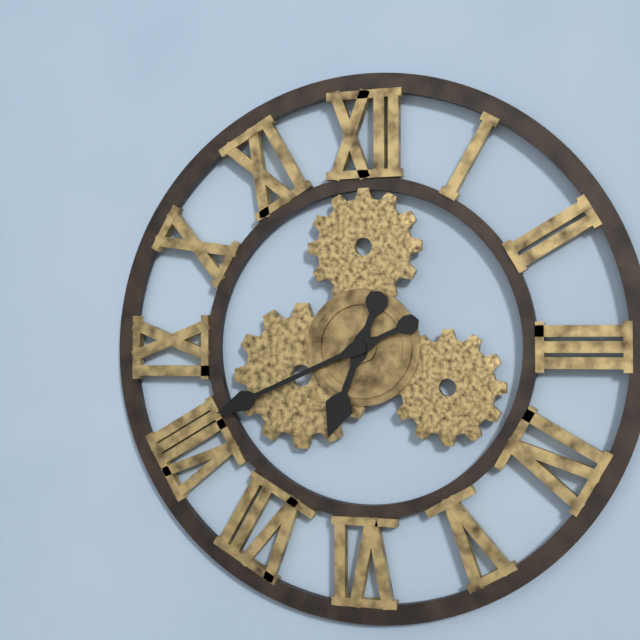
6:41
